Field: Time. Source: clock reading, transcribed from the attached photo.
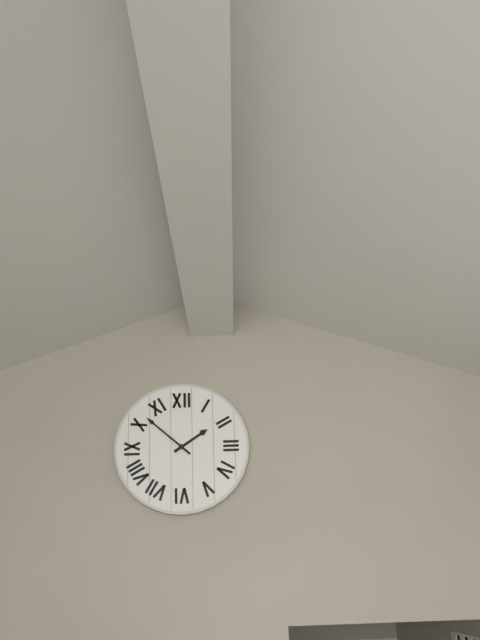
1:52
